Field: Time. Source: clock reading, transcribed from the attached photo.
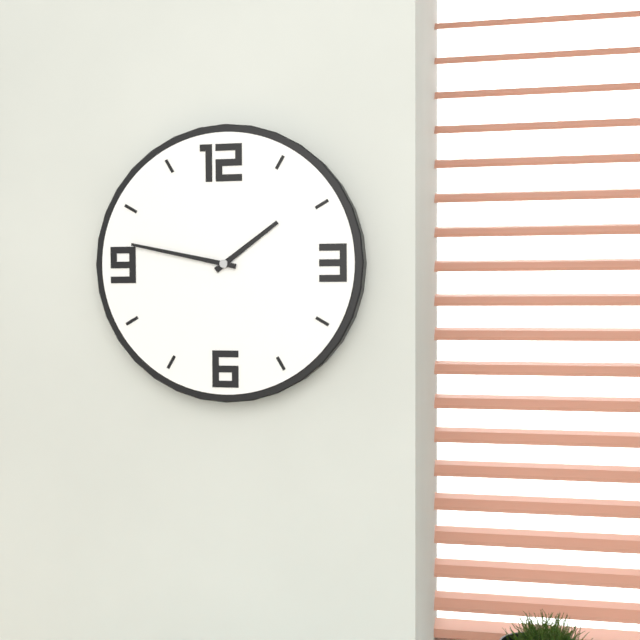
1:47
